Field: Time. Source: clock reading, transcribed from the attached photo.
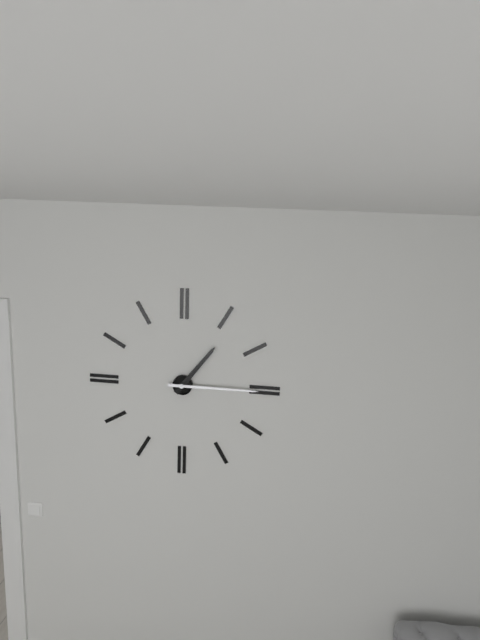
1:15
